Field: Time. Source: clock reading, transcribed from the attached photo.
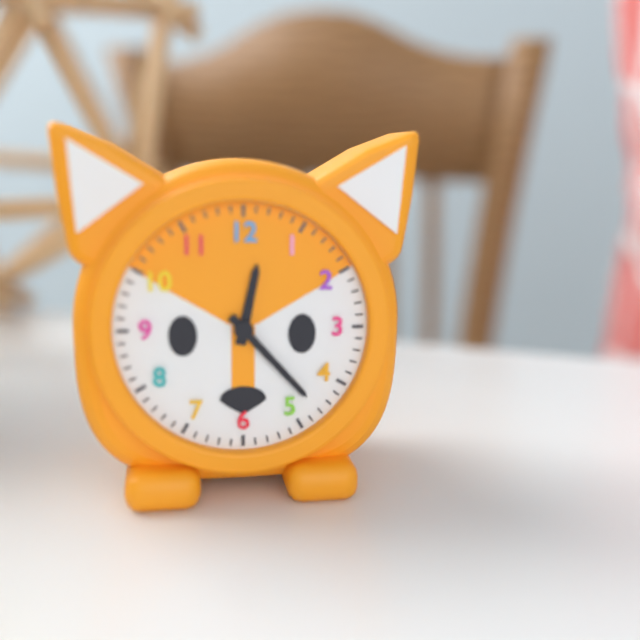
12:23
